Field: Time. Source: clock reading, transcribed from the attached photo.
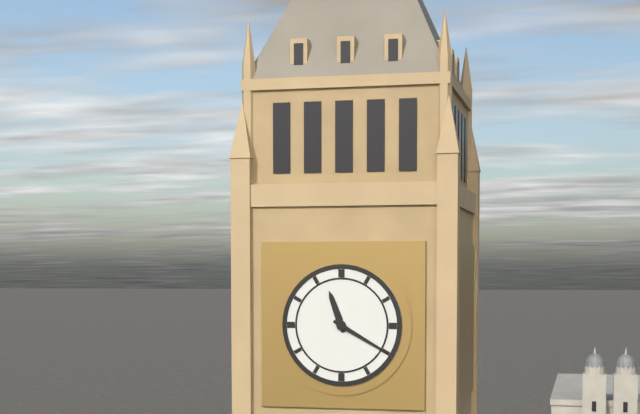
11:20
